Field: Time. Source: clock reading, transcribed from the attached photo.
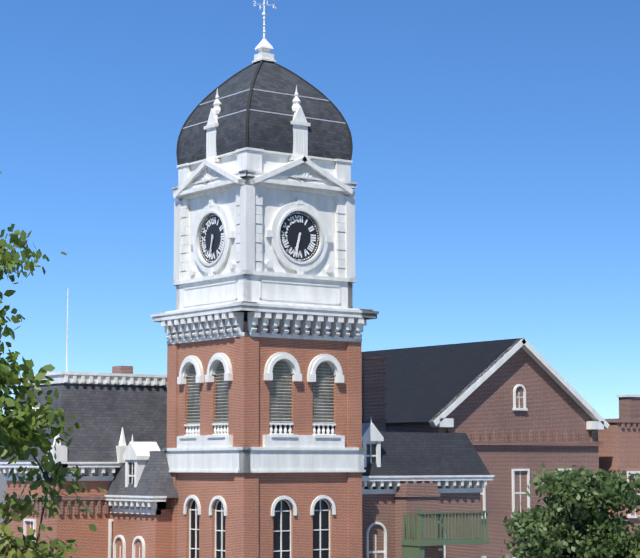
6:32
